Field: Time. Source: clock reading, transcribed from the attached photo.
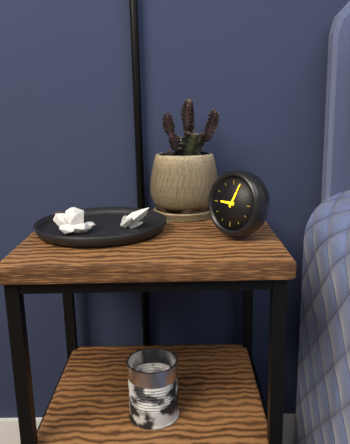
9:04
